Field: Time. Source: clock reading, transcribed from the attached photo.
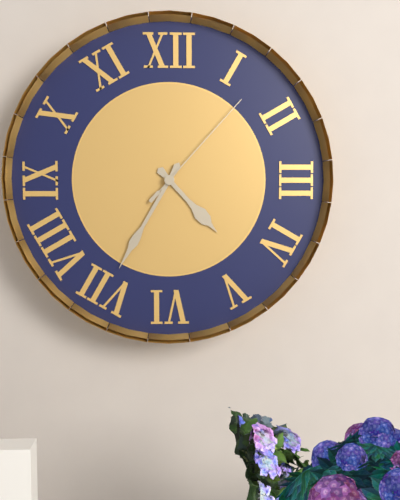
4:35:07
